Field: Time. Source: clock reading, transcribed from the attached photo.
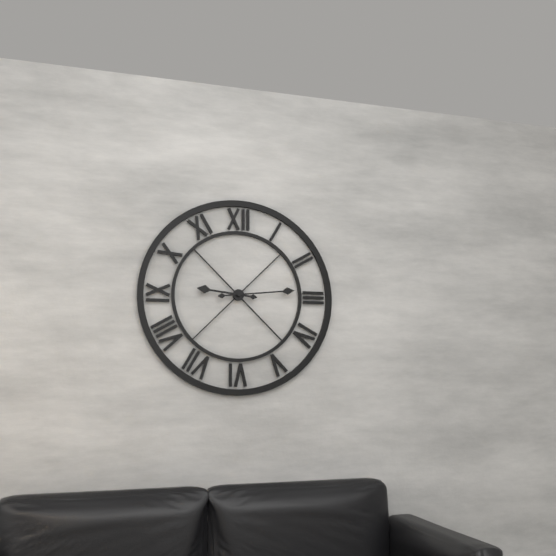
9:14
